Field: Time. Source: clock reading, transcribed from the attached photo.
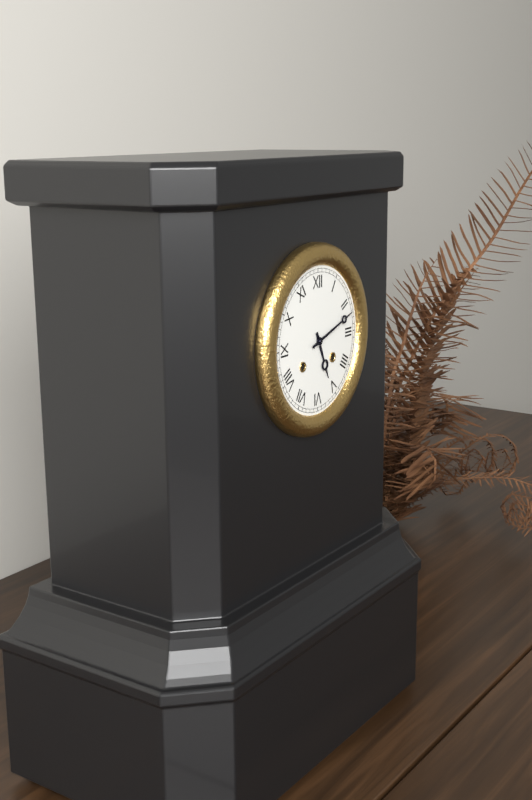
5:12
